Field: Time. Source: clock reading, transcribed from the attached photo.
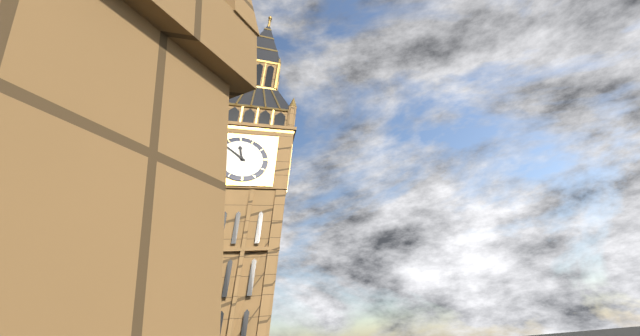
11:52
